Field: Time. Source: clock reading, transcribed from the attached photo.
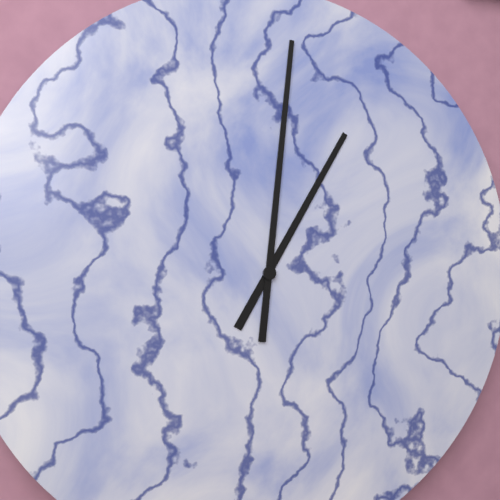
1:01
